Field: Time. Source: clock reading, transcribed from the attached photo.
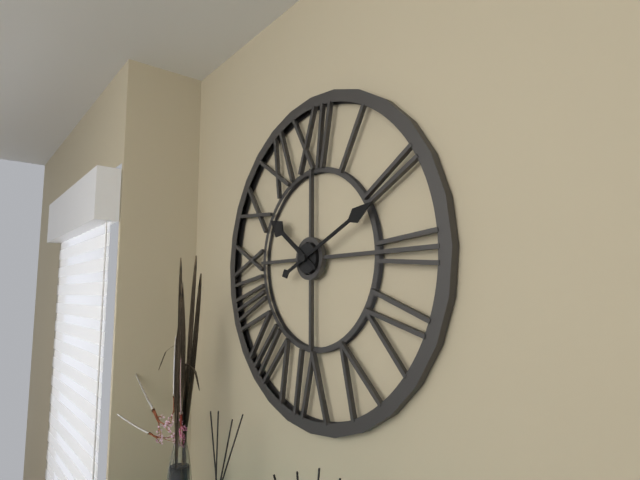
10:11
